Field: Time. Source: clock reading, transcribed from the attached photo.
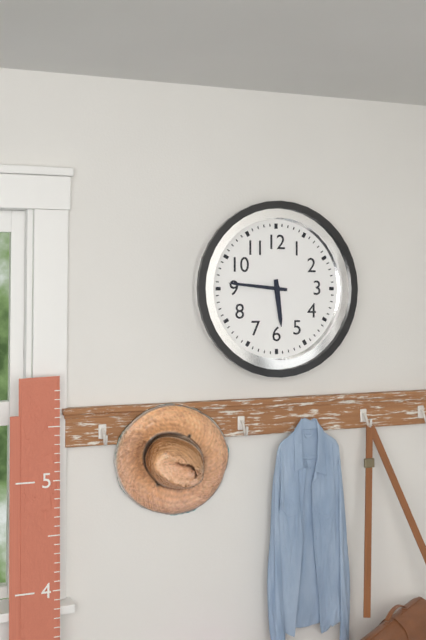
5:46
